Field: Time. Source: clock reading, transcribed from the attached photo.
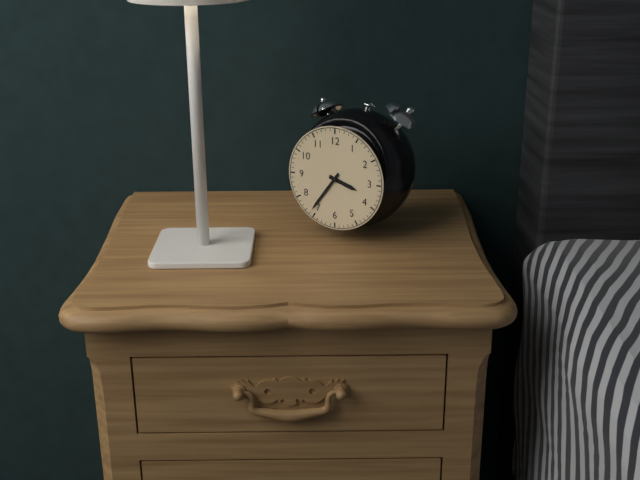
3:36
